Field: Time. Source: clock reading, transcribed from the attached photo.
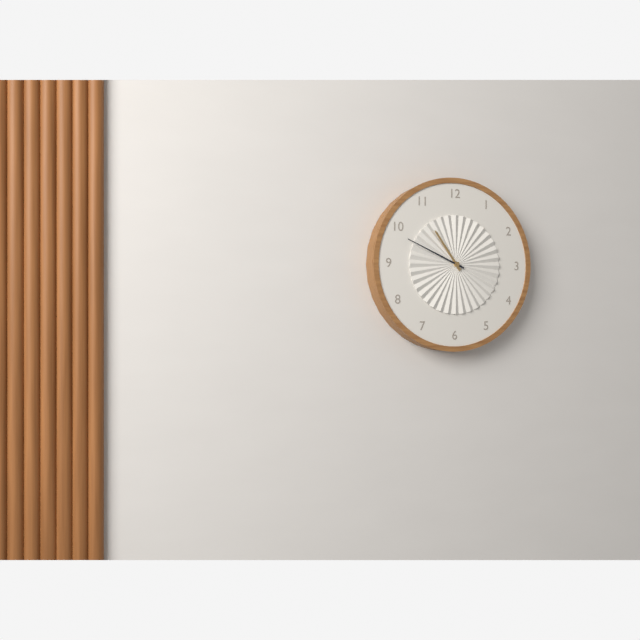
10:49
